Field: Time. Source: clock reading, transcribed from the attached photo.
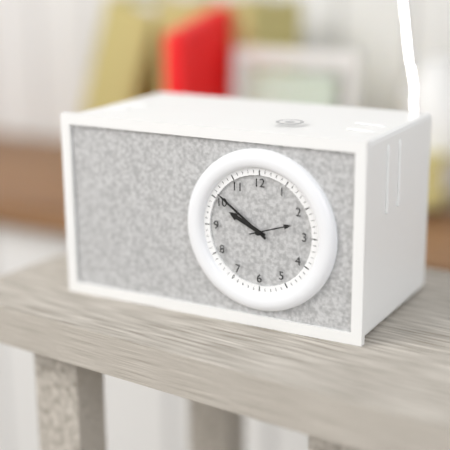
9:51
